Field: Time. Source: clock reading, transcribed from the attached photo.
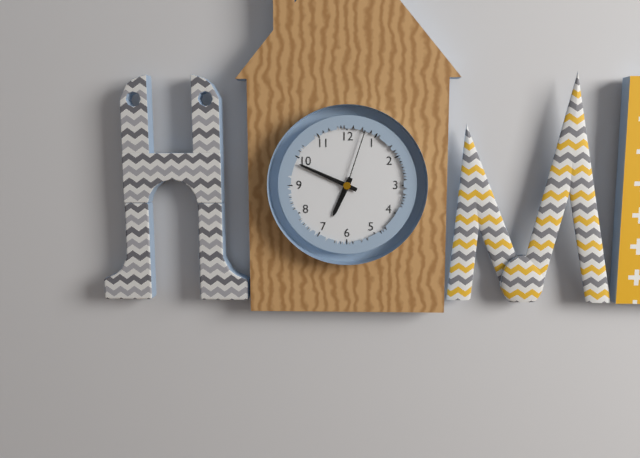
6:49:03
